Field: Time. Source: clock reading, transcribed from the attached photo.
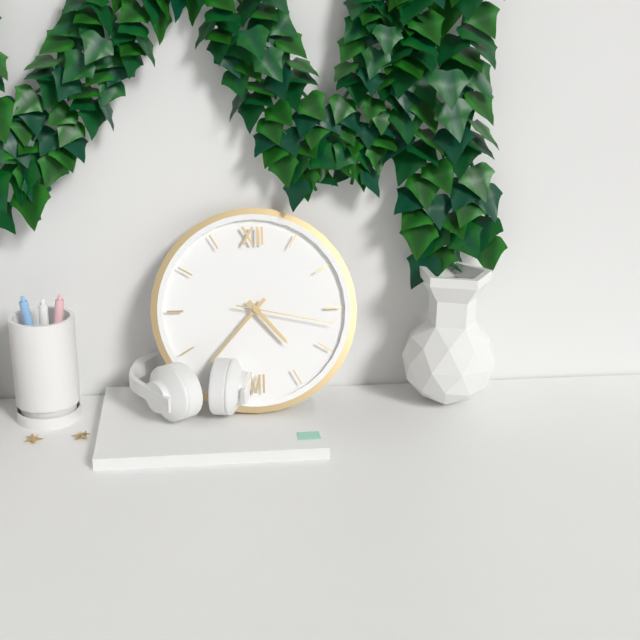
4:37:17
